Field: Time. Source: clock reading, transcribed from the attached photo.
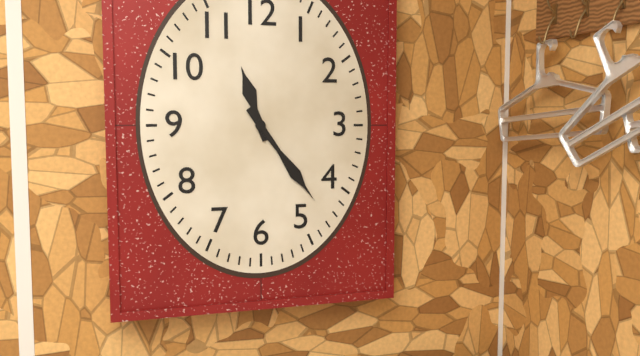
11:24
